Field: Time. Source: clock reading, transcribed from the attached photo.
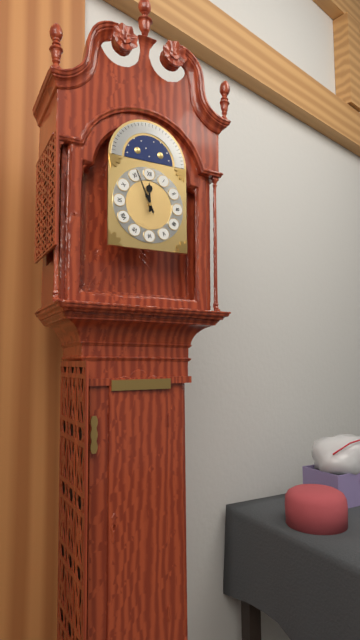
11:56
